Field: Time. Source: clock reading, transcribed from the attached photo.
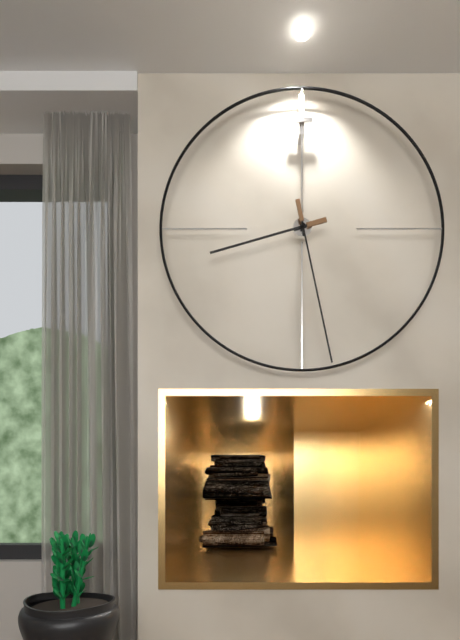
8:28
